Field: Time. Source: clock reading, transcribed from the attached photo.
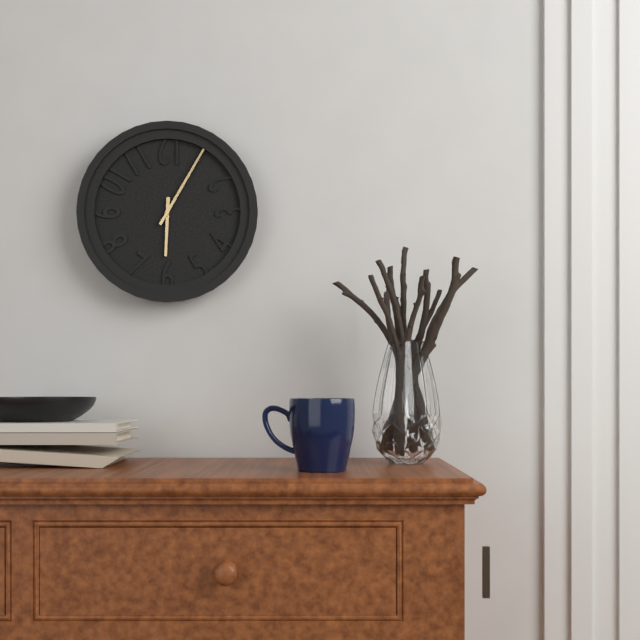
6:05
